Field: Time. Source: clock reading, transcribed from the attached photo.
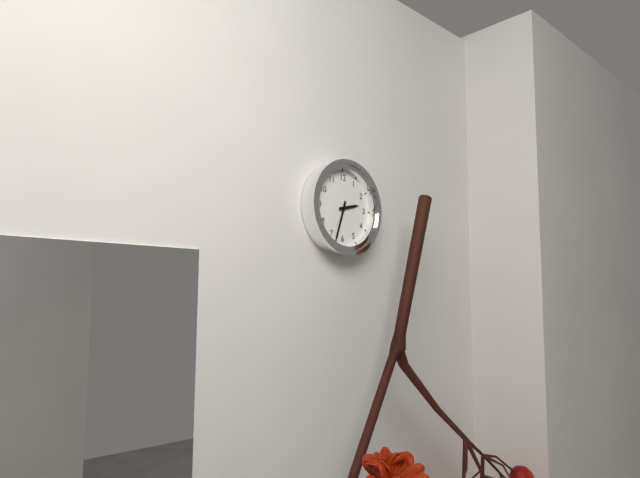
2:33
